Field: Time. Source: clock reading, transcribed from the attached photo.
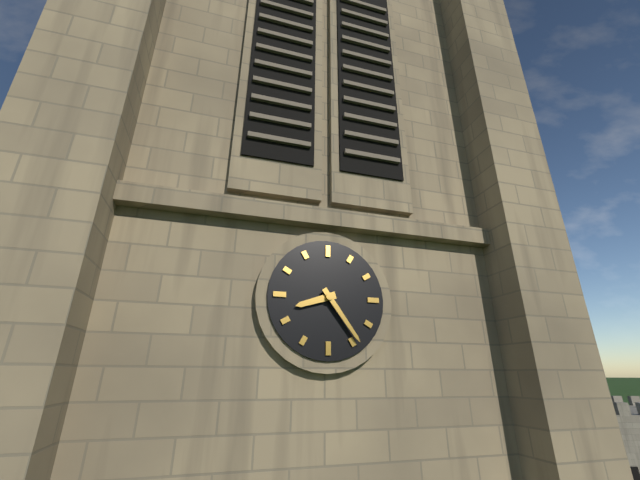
8:24
